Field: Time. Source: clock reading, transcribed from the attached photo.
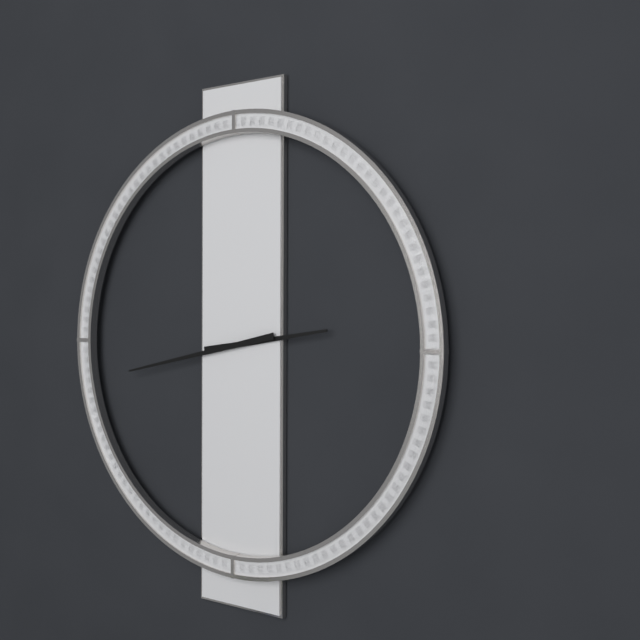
2:43
